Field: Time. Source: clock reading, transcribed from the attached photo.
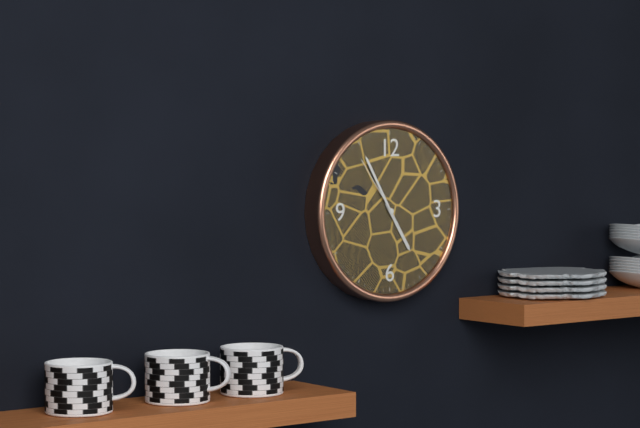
4:55:54
